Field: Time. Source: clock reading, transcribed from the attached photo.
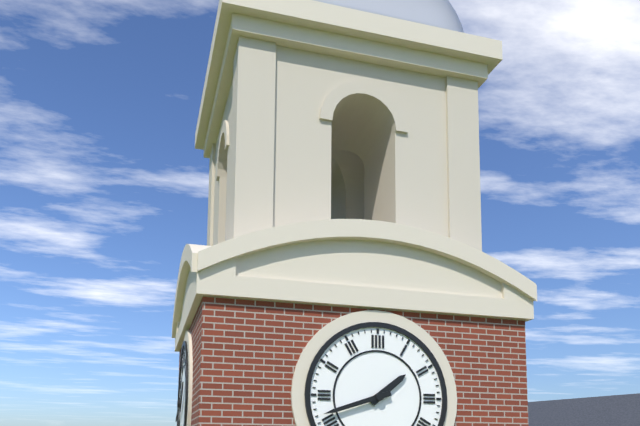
1:42
